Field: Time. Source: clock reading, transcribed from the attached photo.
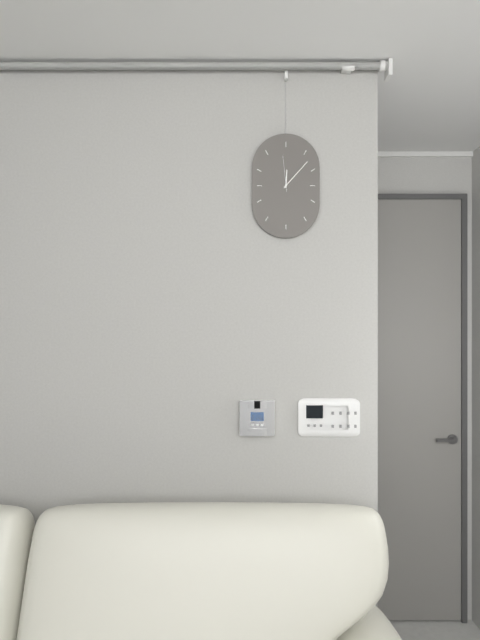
12:07
